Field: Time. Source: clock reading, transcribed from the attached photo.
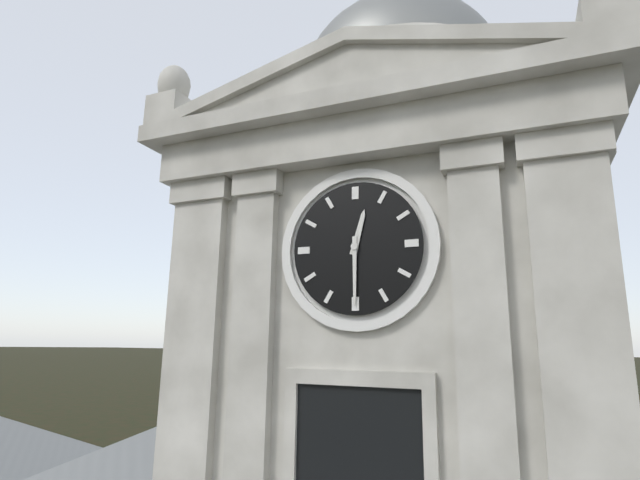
12:30
